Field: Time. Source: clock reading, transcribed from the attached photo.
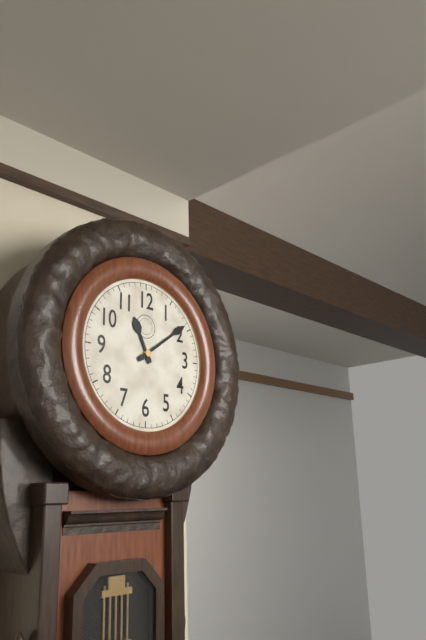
11:09
